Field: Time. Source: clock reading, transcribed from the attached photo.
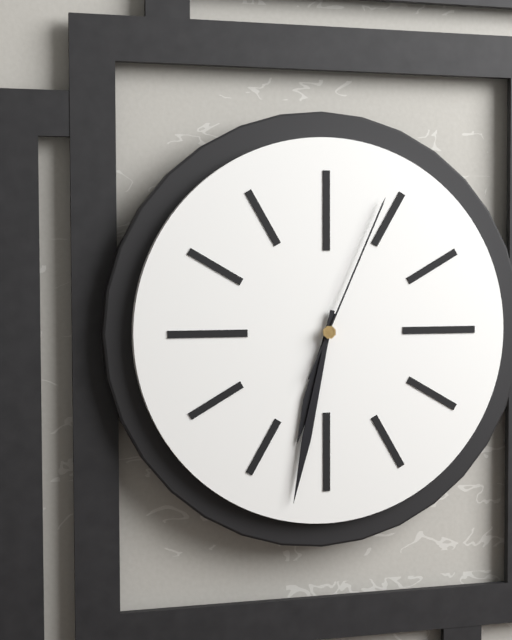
6:32:04
